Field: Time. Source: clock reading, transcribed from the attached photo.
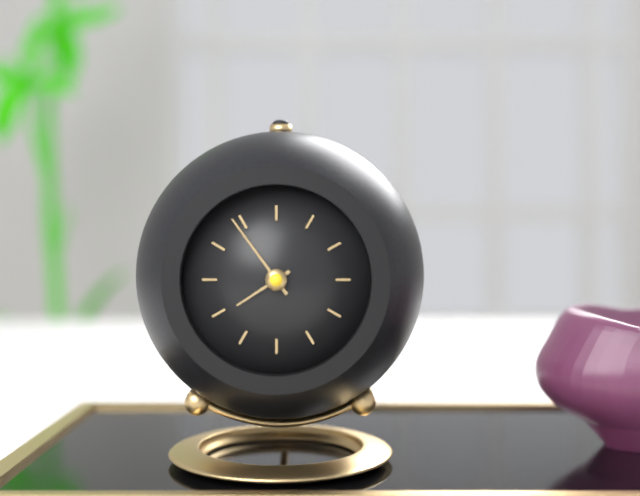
7:54
